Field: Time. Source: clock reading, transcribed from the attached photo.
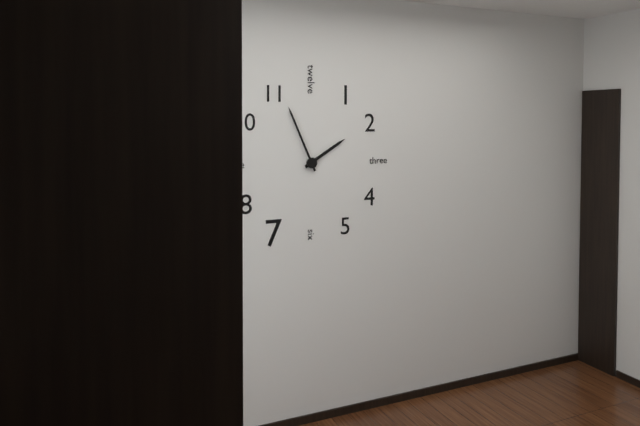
1:56
